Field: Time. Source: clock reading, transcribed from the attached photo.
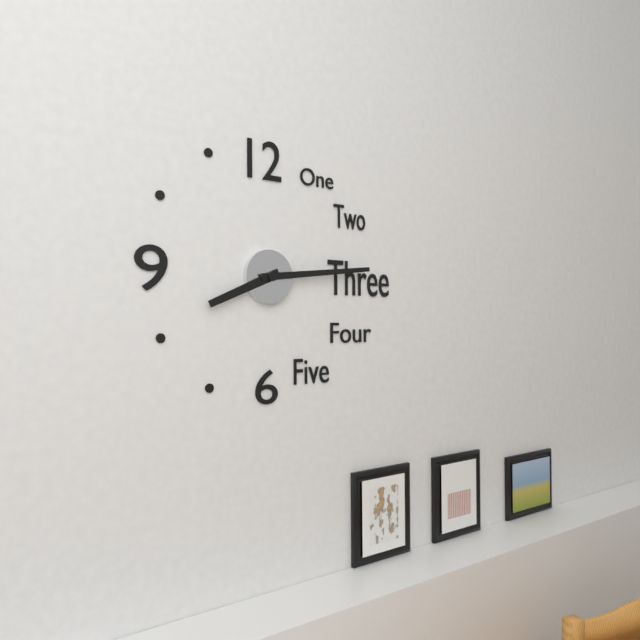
8:14
